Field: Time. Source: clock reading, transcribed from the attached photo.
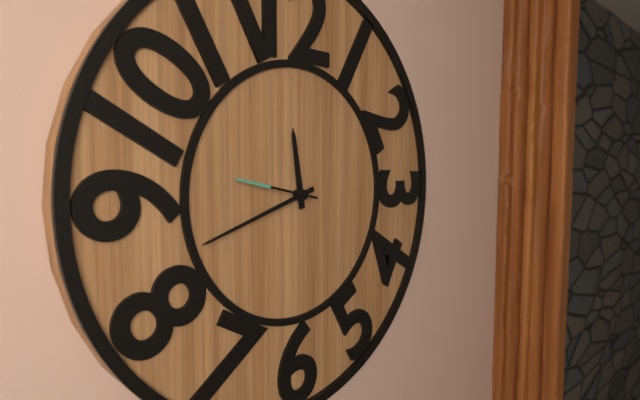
11:42:47
